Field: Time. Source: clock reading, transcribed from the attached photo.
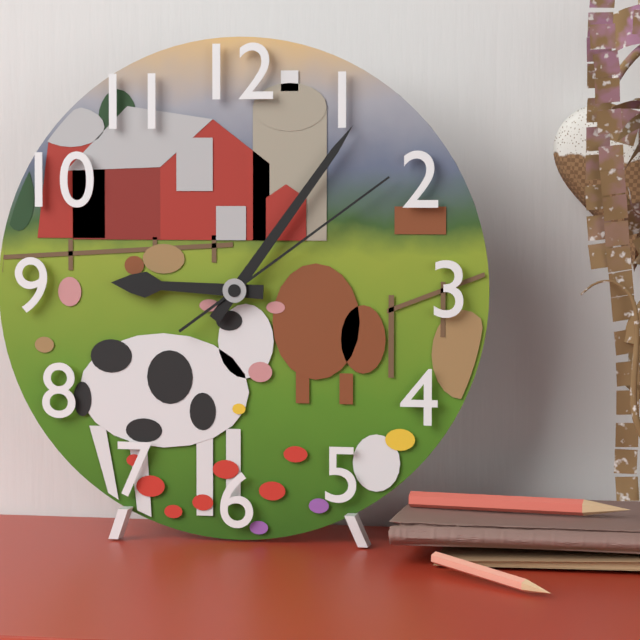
9:06:09
